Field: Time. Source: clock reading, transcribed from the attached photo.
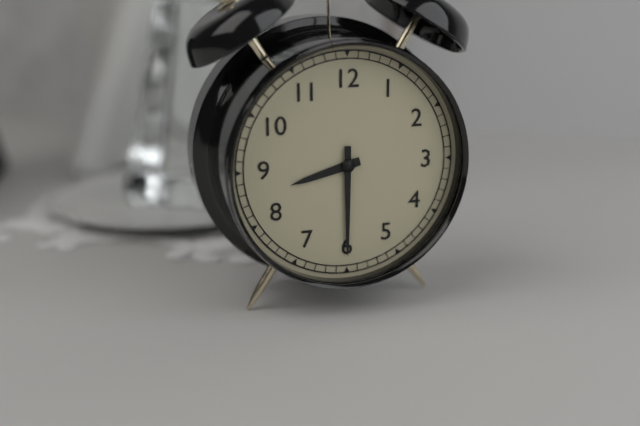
8:30
